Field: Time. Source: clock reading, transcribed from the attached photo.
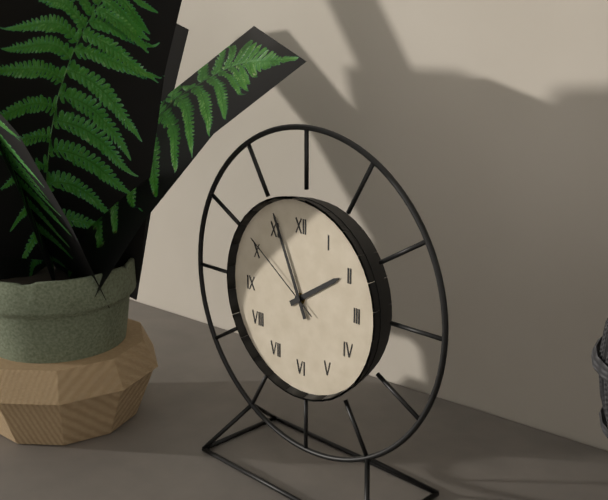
1:56:51
